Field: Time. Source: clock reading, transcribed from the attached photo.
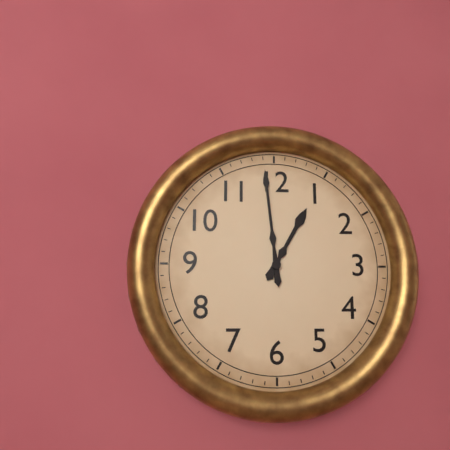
12:59
